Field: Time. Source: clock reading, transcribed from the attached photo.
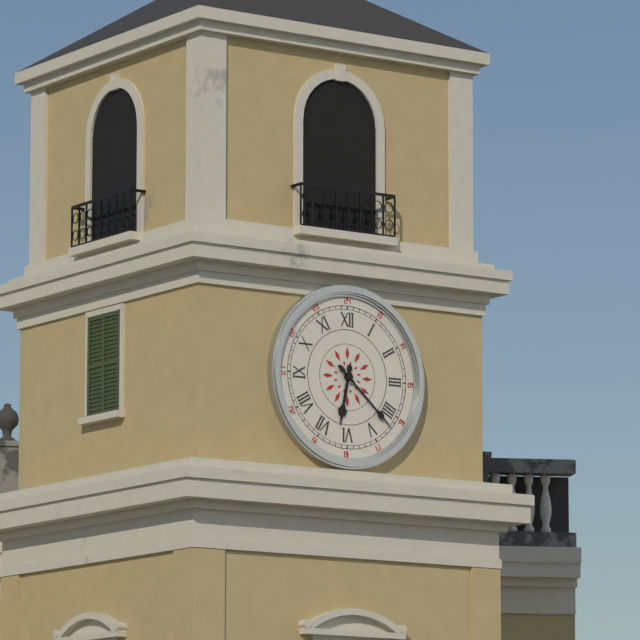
6:22
